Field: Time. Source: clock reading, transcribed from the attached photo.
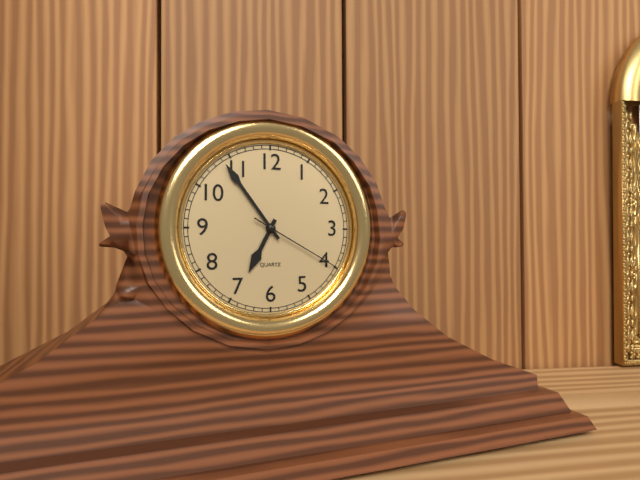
6:54:20
